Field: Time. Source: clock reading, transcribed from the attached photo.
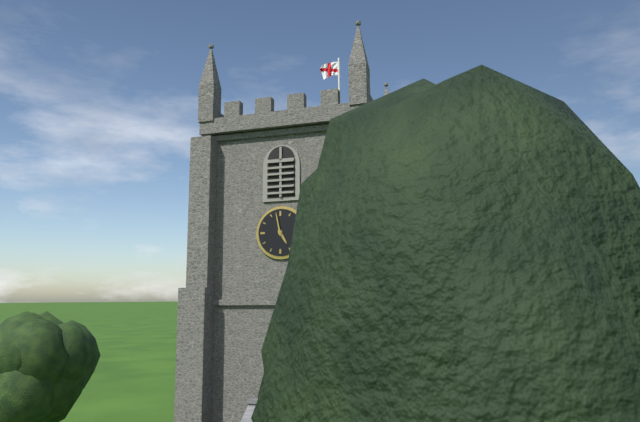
4:58
